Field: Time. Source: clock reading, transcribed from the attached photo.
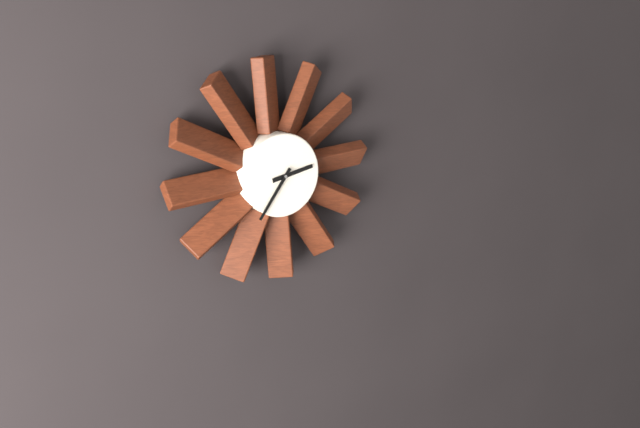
2:36
